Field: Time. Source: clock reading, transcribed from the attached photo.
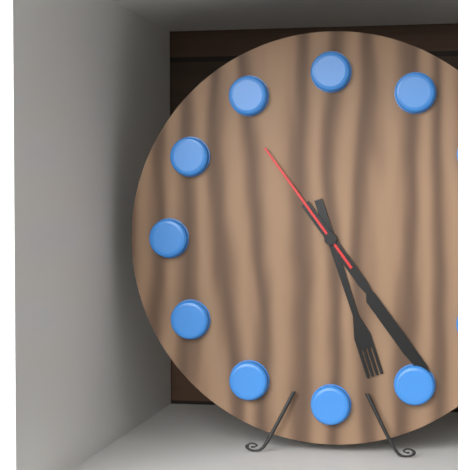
5:24:54
